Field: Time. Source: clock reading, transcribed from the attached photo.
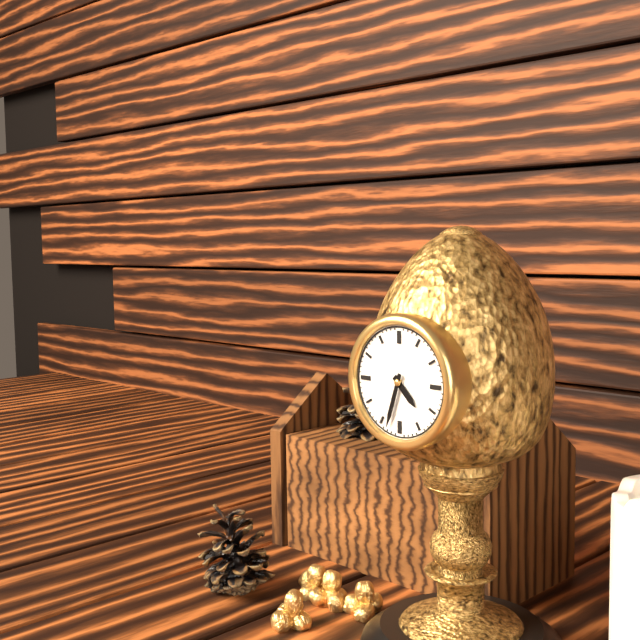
4:33
